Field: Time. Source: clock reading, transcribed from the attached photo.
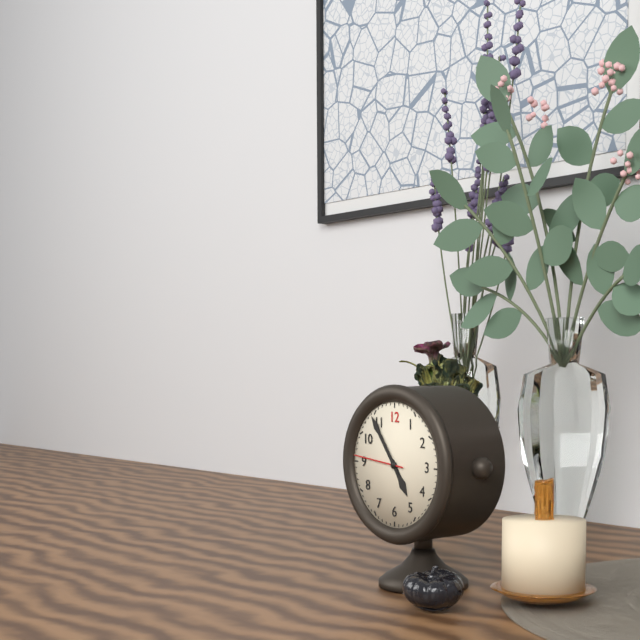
4:54:46
